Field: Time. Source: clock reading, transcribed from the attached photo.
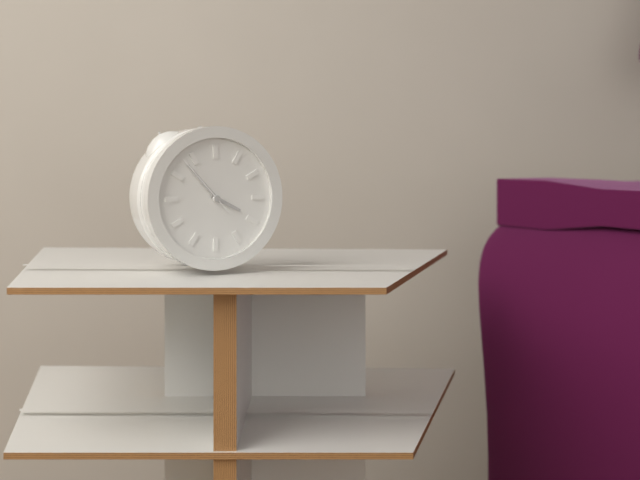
3:53:53
